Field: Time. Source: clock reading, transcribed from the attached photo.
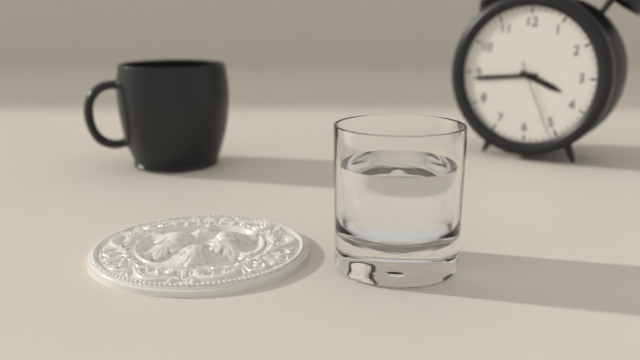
3:44:26
